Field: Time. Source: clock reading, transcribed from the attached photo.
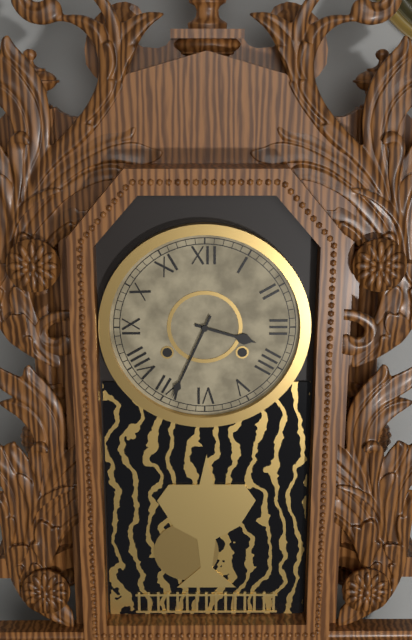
3:34
